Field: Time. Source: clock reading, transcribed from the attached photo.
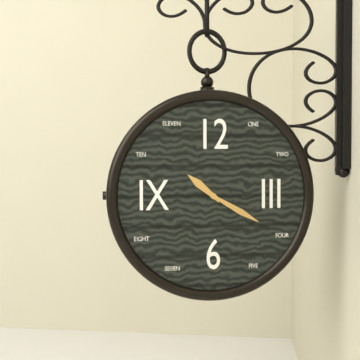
10:20
